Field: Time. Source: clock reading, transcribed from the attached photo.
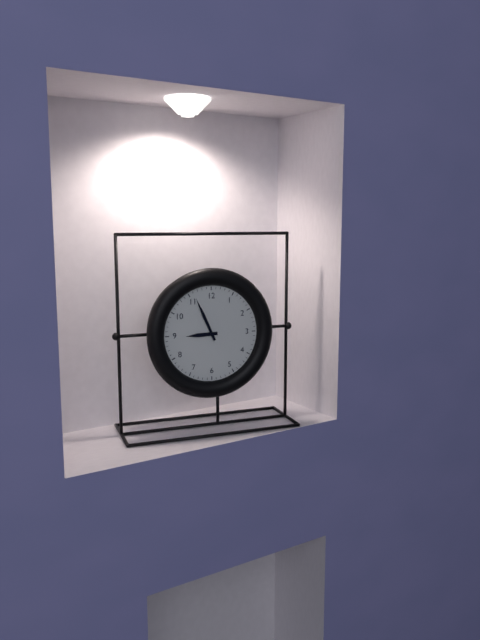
8:56
